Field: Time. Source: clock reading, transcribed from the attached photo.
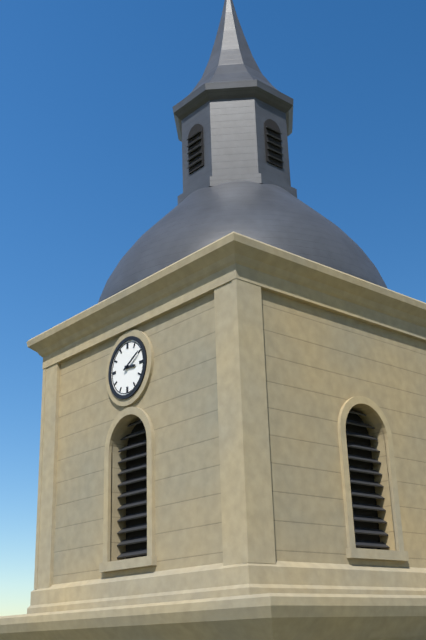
3:10
